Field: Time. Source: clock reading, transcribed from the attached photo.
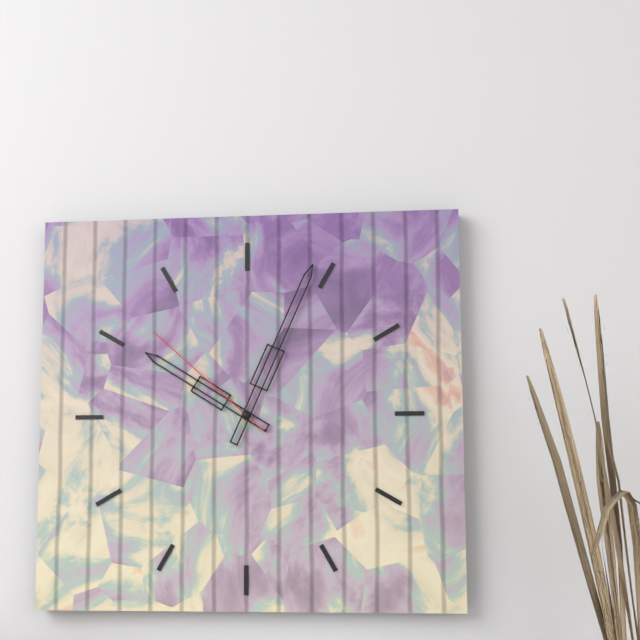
10:04:52
